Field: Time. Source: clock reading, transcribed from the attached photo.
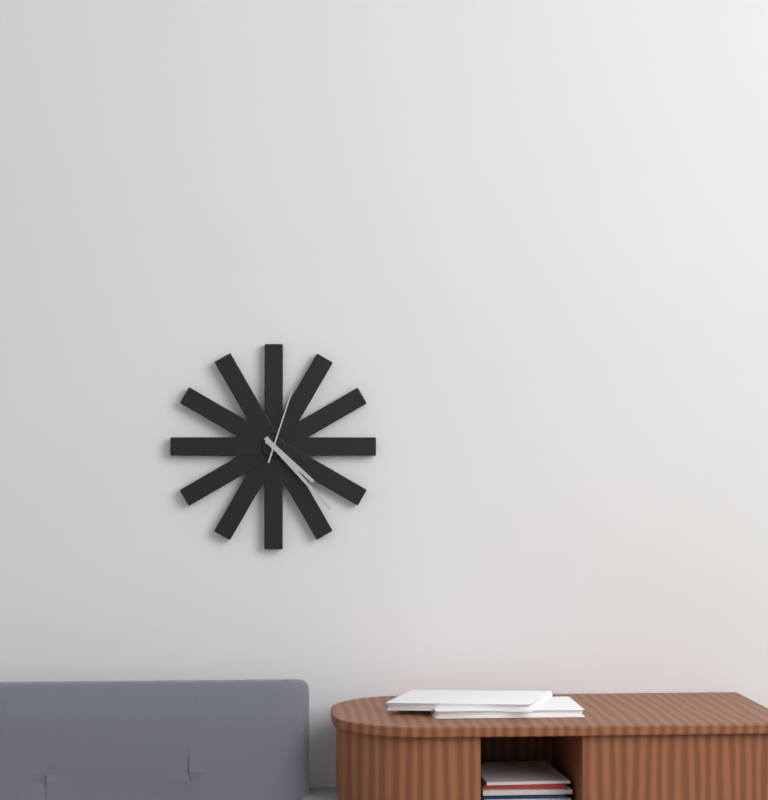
4:23:03
